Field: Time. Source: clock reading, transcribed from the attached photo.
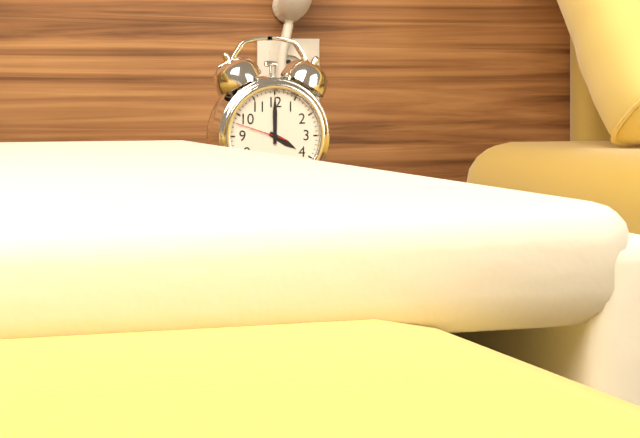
4:00:48
